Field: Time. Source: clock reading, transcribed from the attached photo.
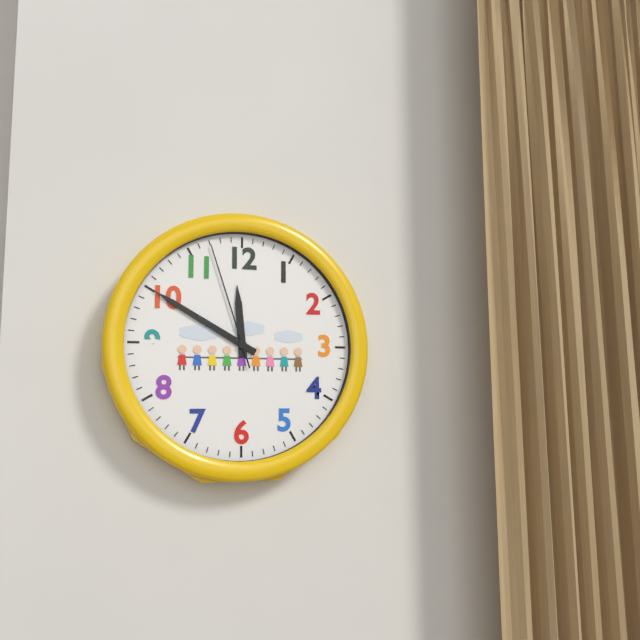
11:50:57
